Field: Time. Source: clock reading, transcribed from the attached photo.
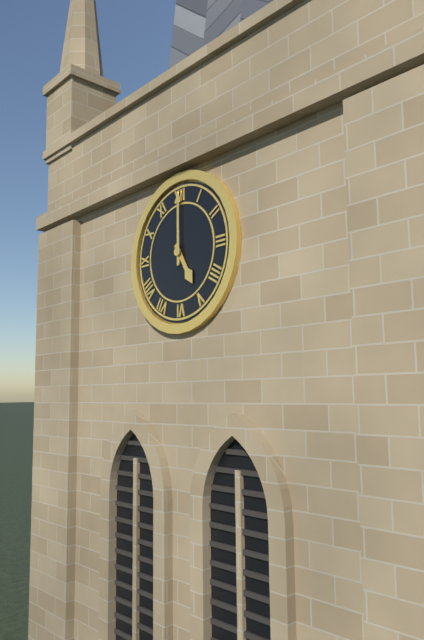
5:00
